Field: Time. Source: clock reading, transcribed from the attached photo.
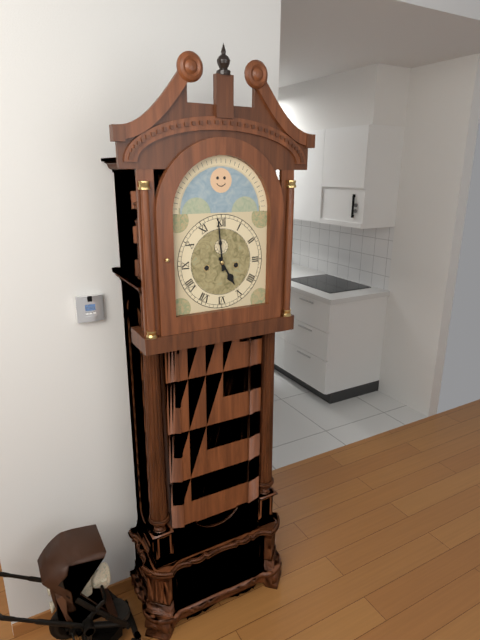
4:59
